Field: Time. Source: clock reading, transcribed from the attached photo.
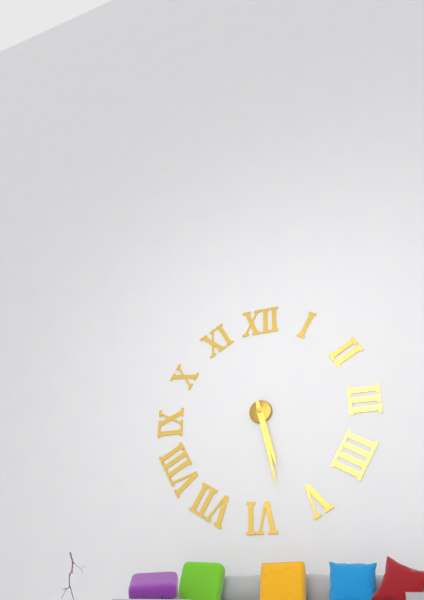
5:28
